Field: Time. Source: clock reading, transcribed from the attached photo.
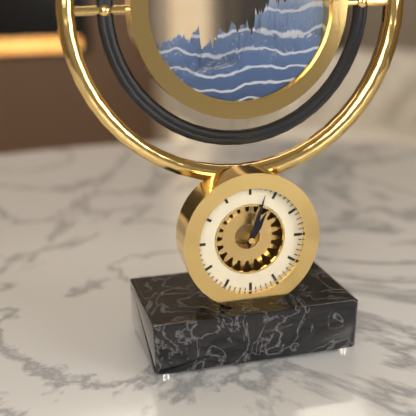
1:03
